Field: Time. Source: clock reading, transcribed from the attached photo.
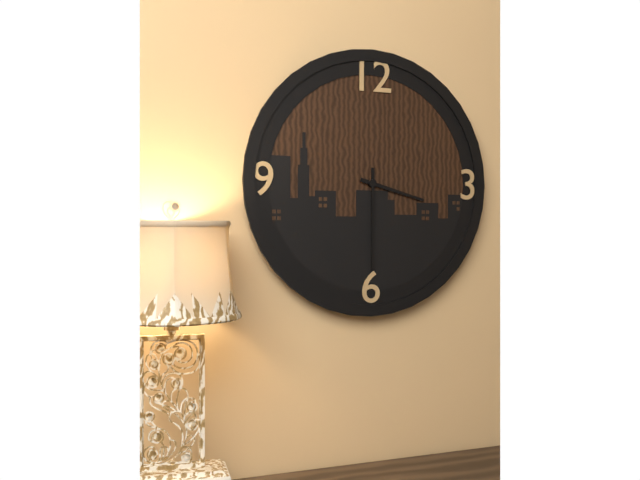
3:30
